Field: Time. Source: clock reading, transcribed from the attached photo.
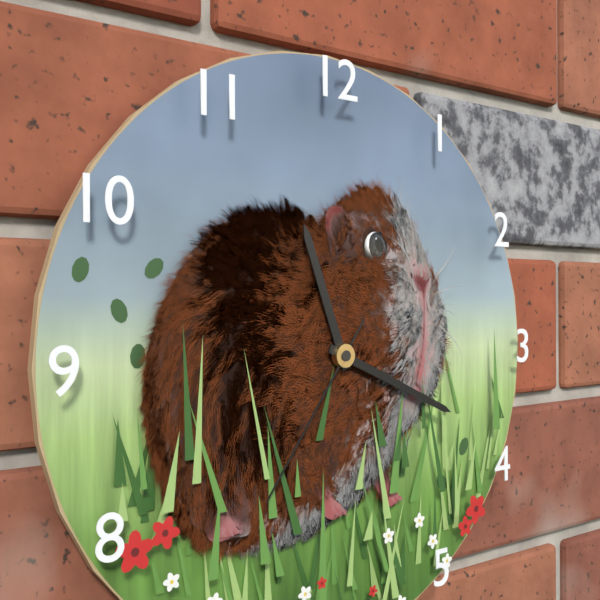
11:19:36
